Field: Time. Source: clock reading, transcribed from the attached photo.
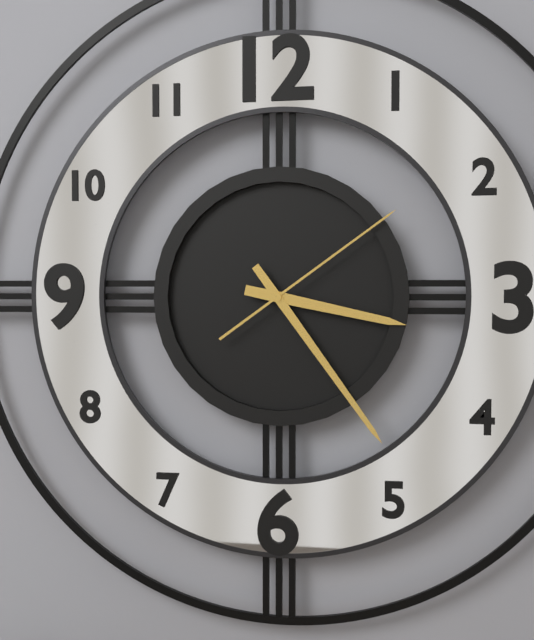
3:24:09
